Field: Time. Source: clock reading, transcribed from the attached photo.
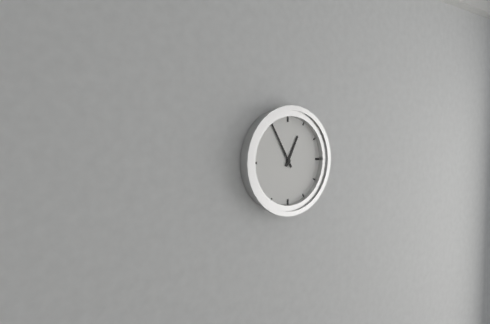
12:55
